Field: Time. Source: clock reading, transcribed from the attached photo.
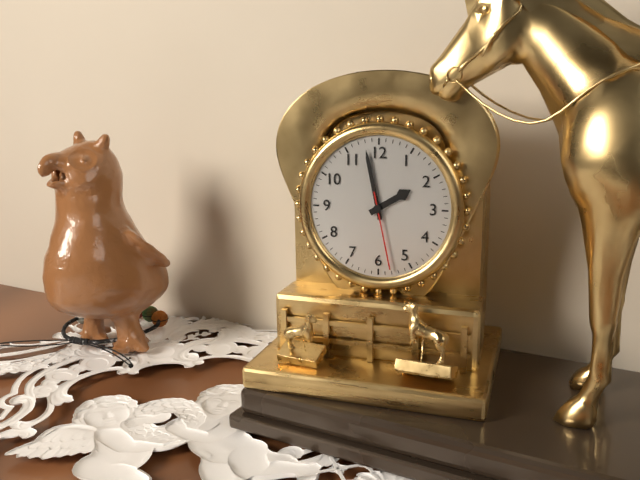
1:58:28
